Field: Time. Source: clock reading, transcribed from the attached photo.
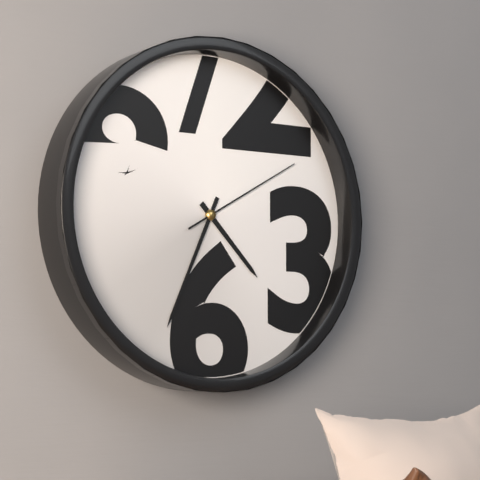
4:34:10
